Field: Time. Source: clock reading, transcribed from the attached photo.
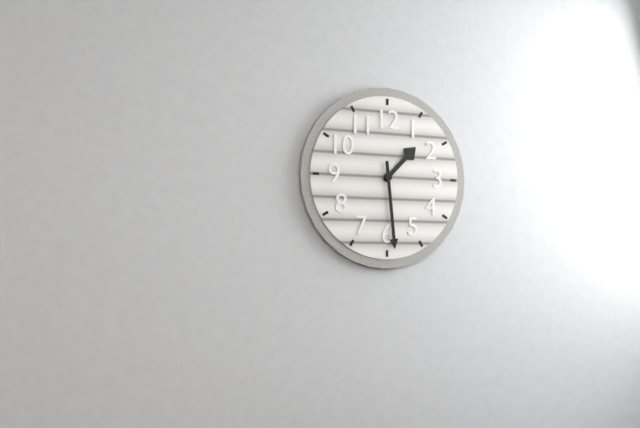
1:29
